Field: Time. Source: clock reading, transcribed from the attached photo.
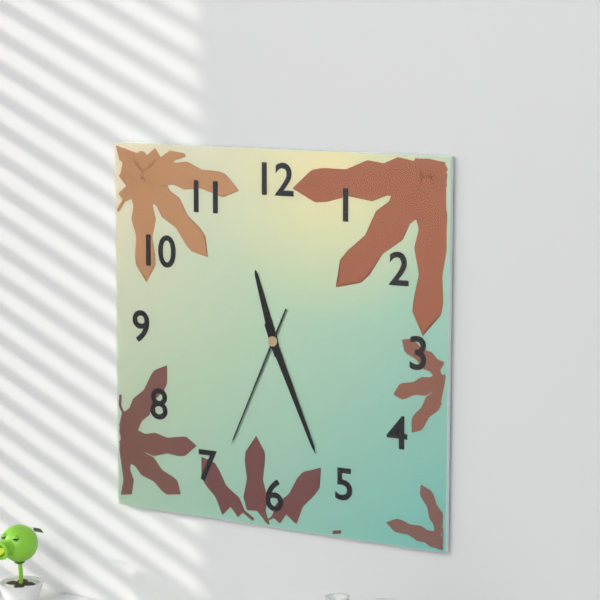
11:26:34
